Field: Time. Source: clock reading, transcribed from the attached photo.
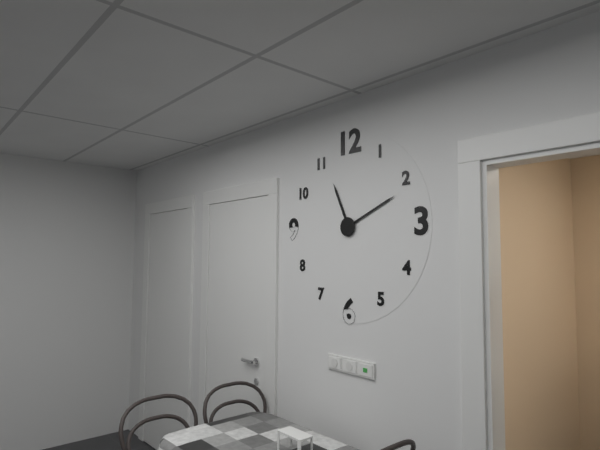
11:11
